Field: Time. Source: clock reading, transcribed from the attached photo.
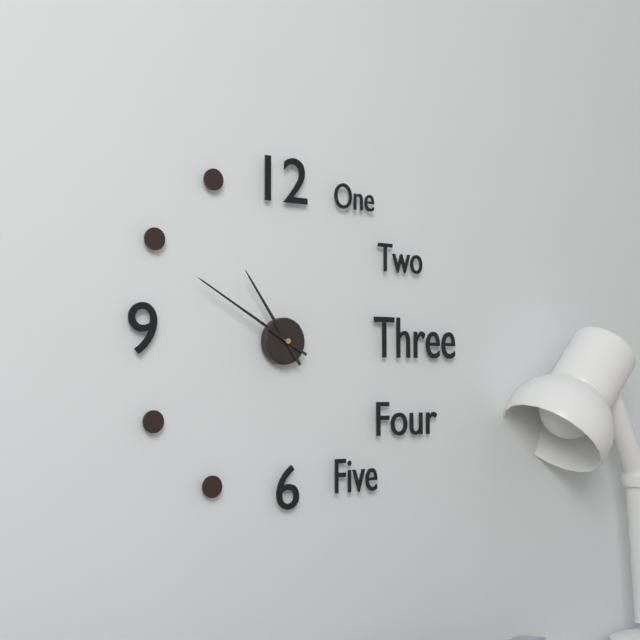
10:50
